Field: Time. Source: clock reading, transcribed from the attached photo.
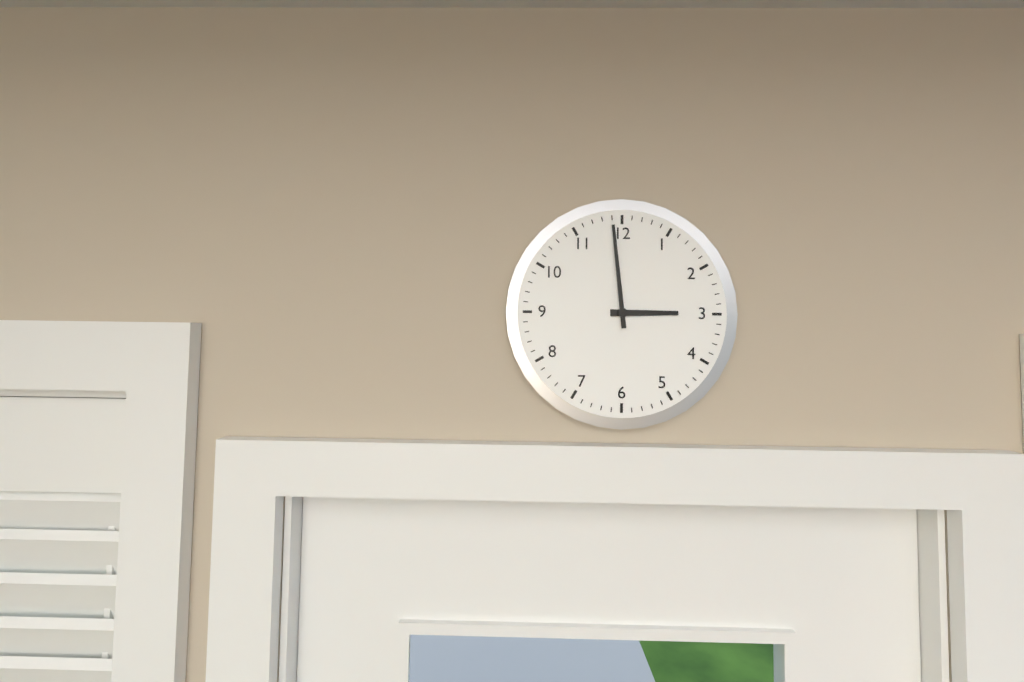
2:59
